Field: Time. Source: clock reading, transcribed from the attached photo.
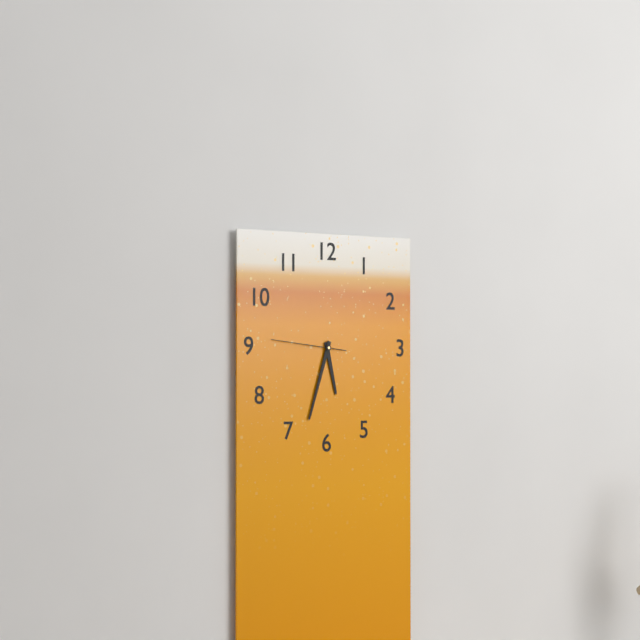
5:33:46
